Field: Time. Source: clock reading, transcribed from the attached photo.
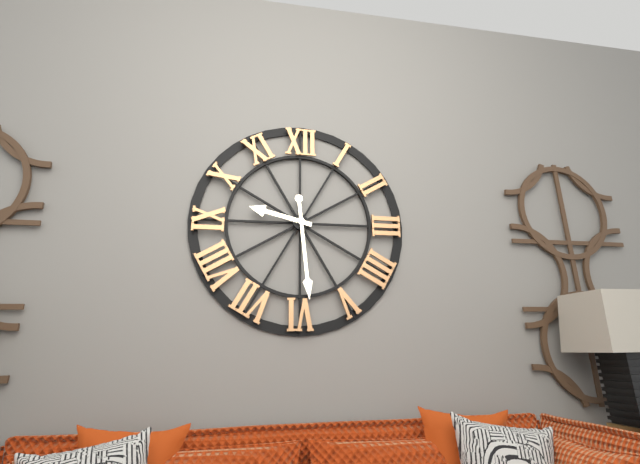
9:29
